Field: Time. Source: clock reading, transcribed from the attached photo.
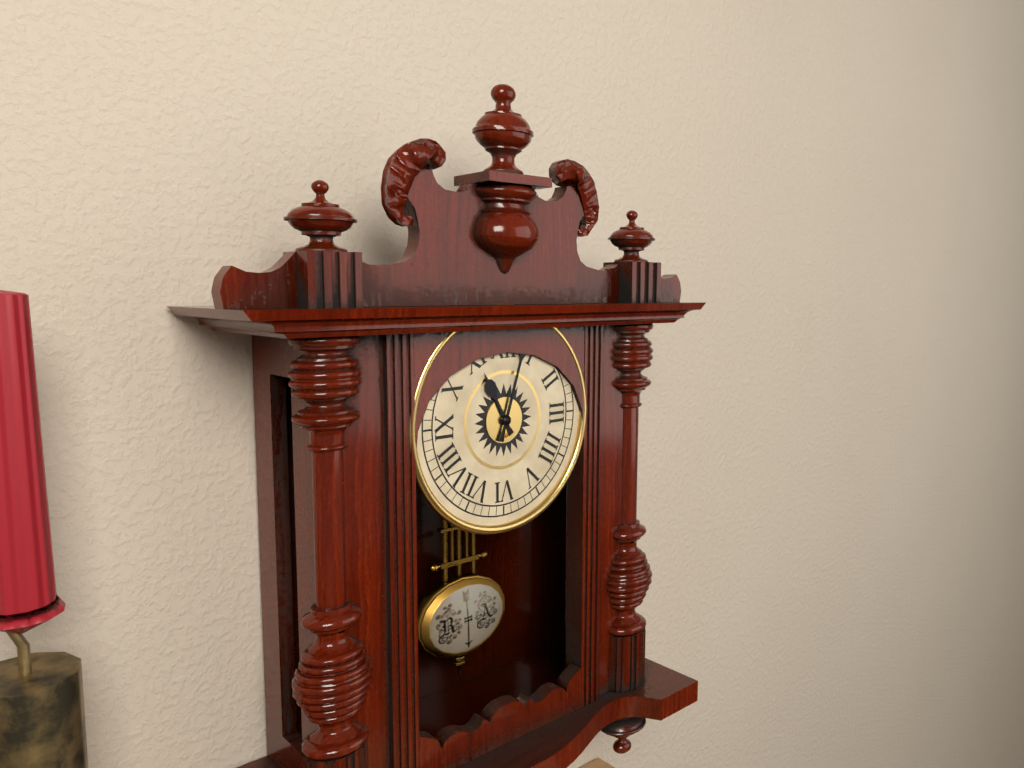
11:03
